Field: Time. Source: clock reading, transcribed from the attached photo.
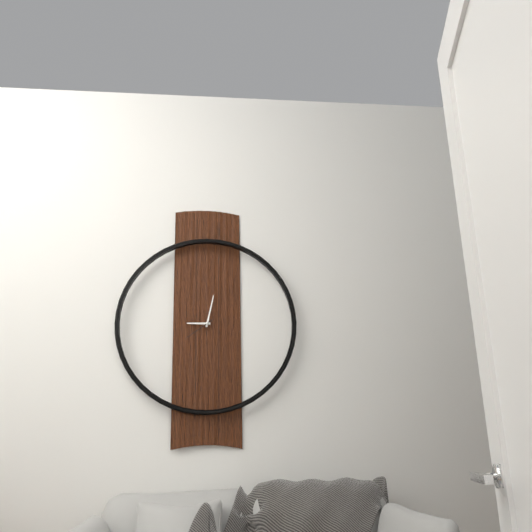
9:02
